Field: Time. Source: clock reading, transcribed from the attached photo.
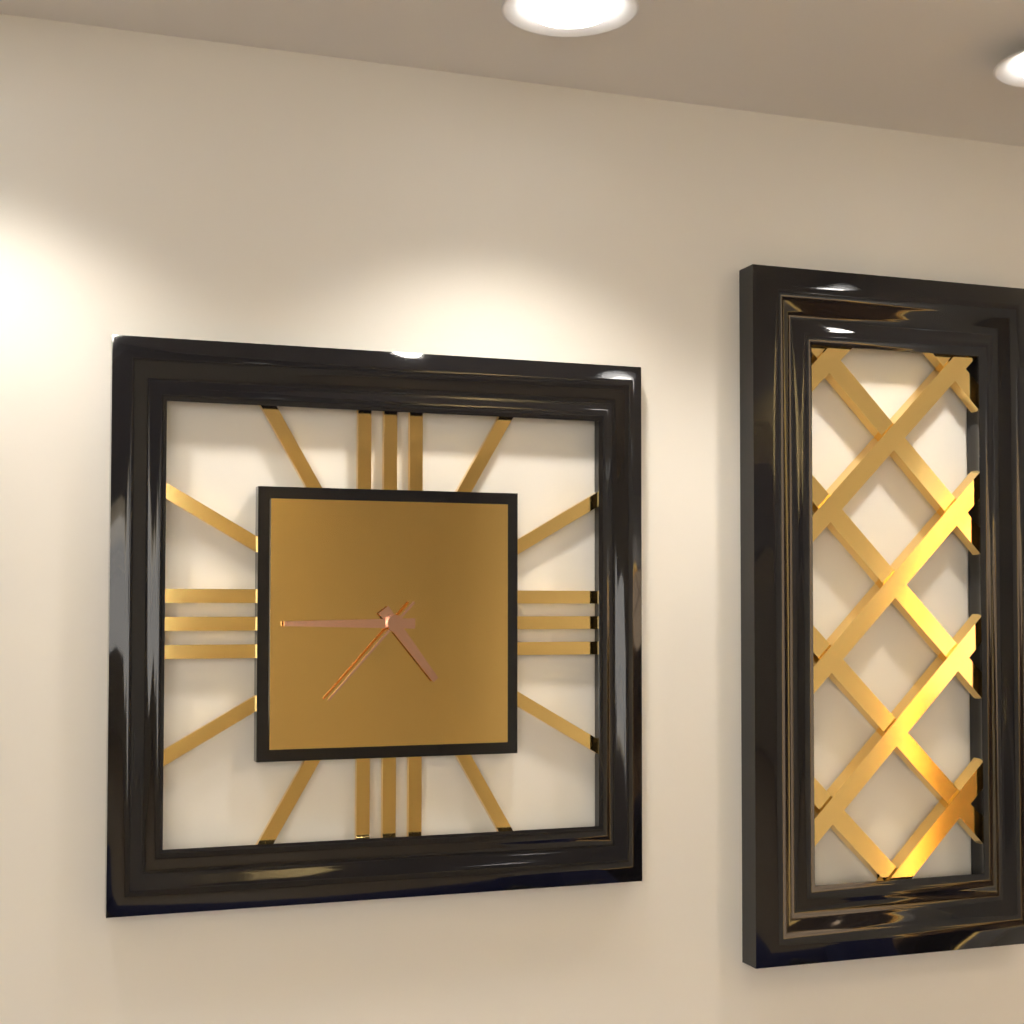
4:45:37
